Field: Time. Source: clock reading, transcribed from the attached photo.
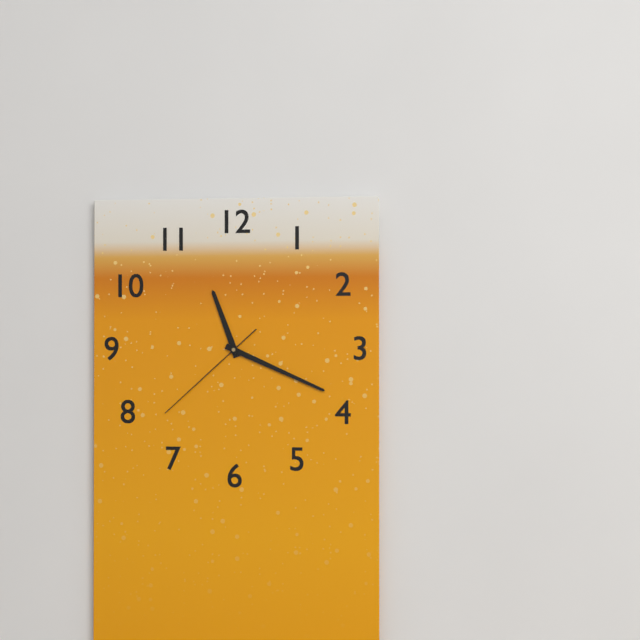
11:19:38
